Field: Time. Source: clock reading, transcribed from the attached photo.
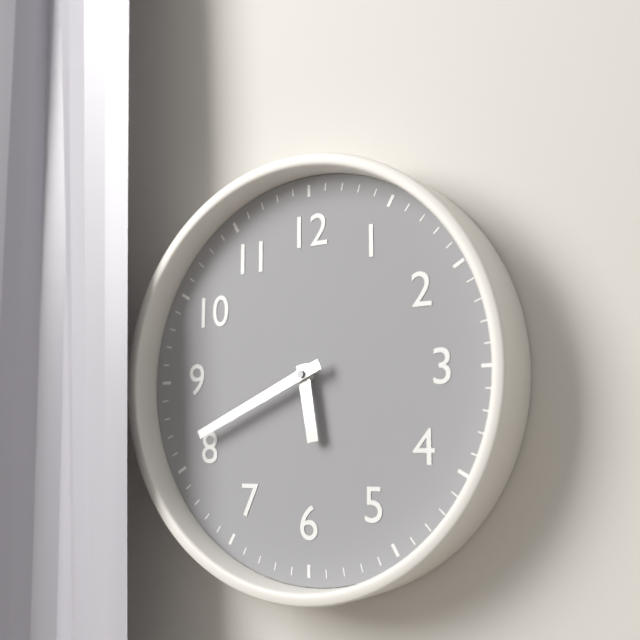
5:41
